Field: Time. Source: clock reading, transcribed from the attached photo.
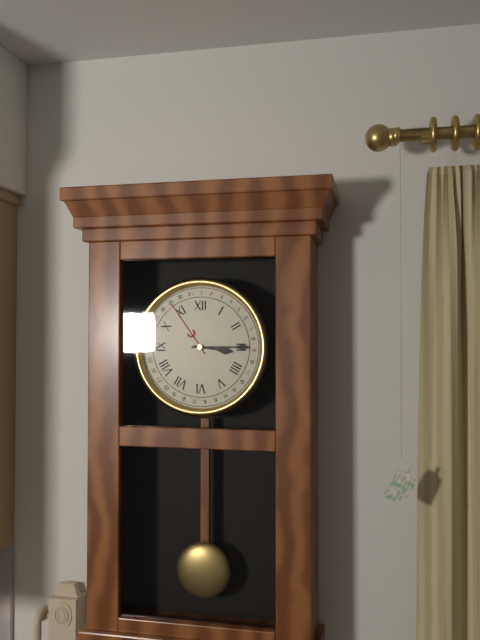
3:15
